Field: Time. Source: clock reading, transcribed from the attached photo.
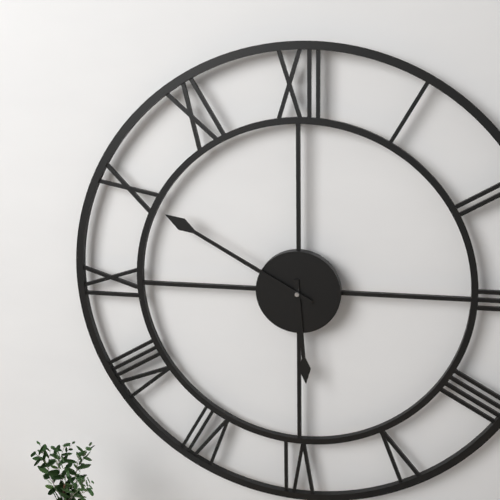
5:50
